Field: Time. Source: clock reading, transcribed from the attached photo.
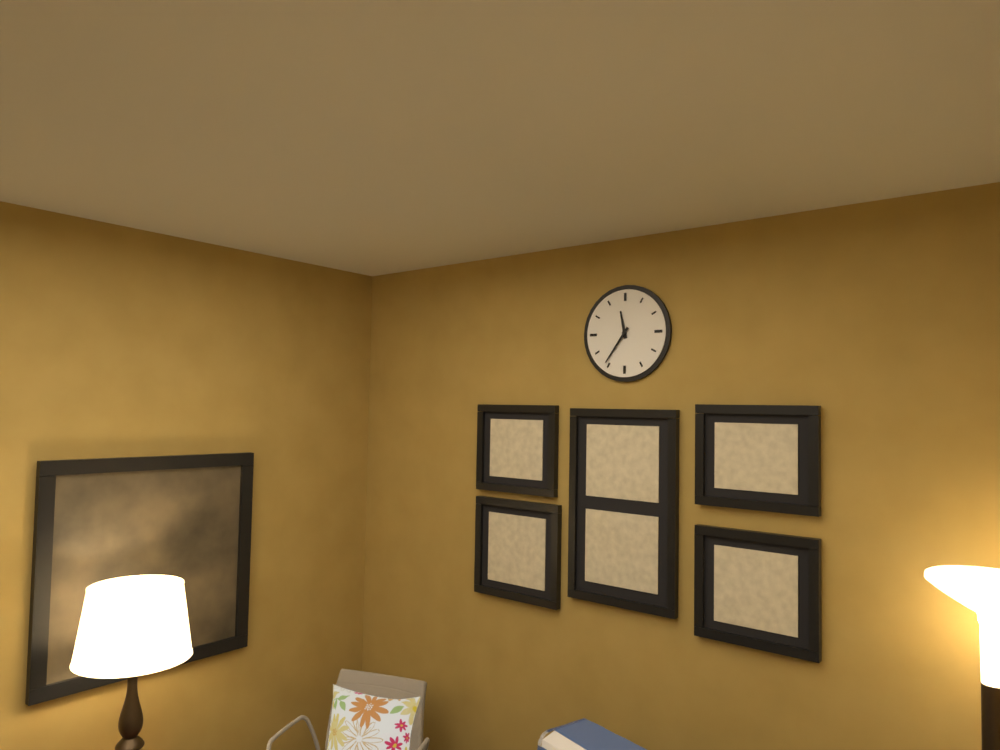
11:36
